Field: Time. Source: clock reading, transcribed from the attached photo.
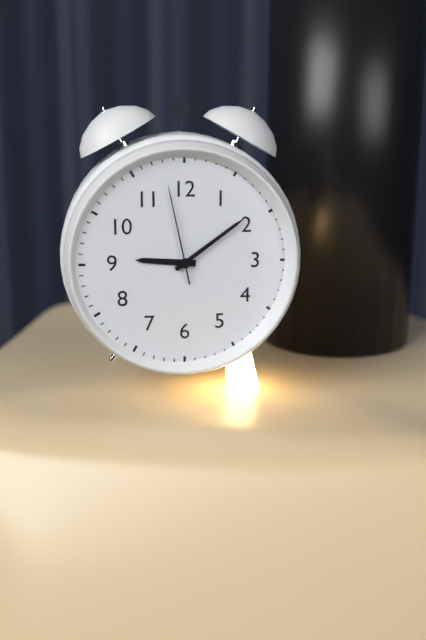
9:09:58
